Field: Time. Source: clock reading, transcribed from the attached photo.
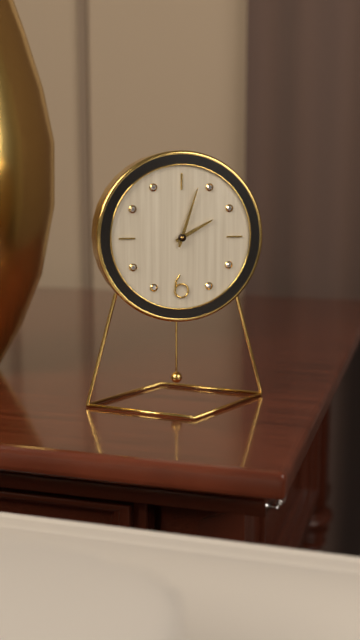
2:03
